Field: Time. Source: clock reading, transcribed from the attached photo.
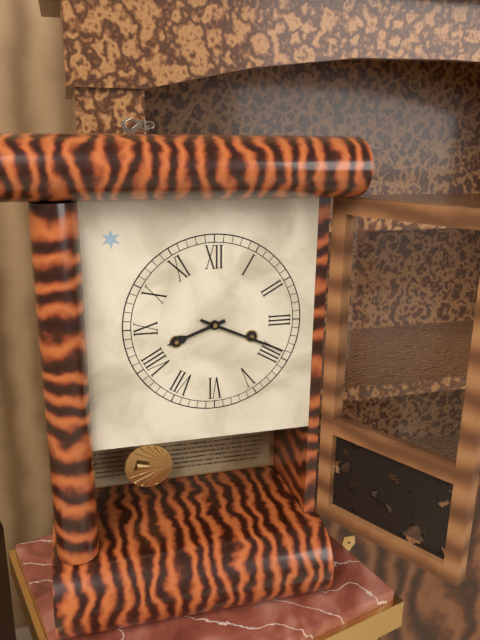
8:19
